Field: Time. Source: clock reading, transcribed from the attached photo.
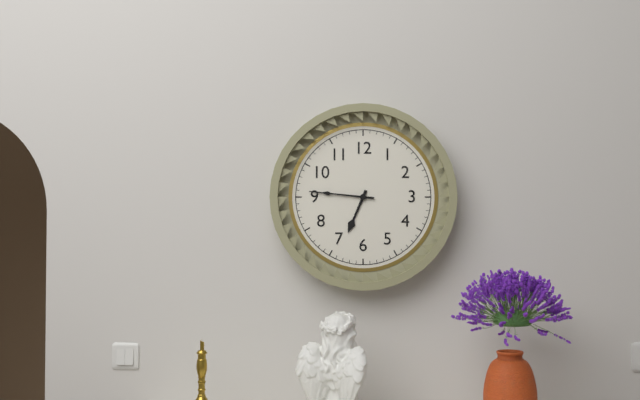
6:46
